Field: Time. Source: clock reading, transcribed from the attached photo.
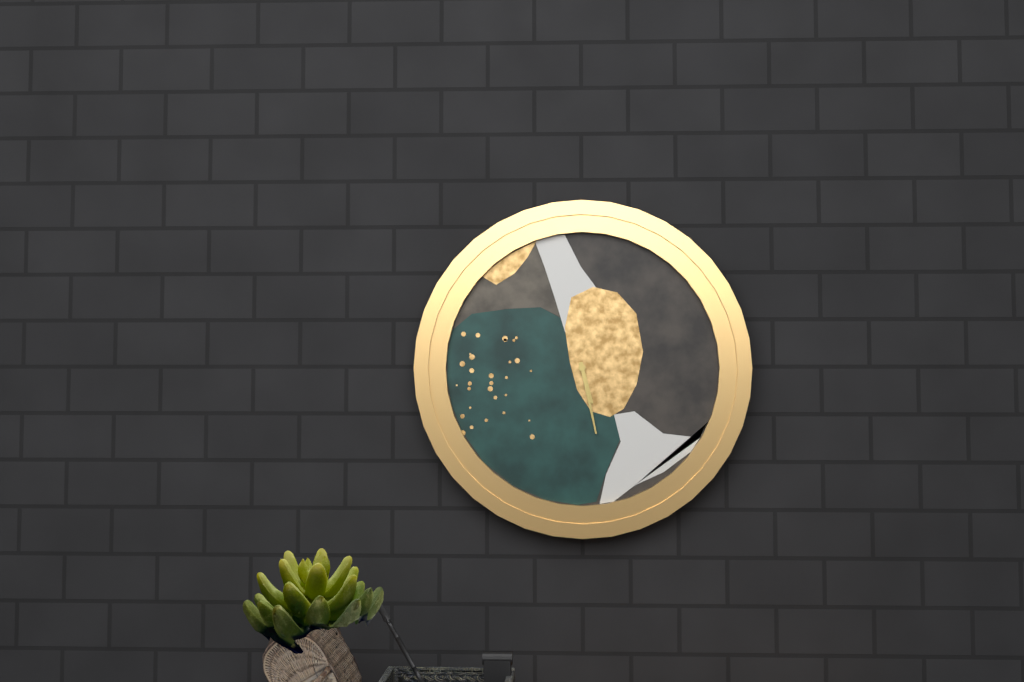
5:28
